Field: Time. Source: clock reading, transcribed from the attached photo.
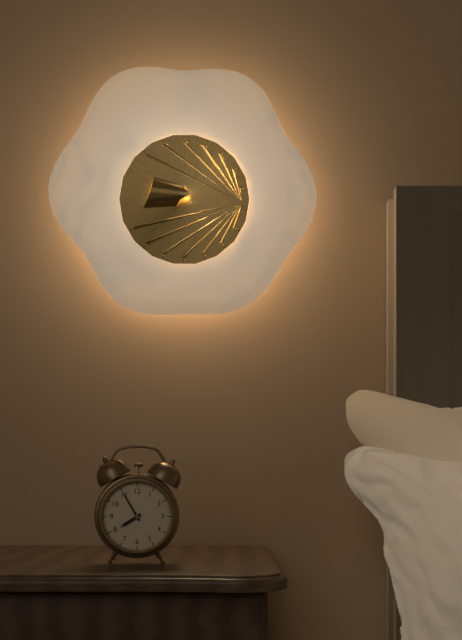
7:55
